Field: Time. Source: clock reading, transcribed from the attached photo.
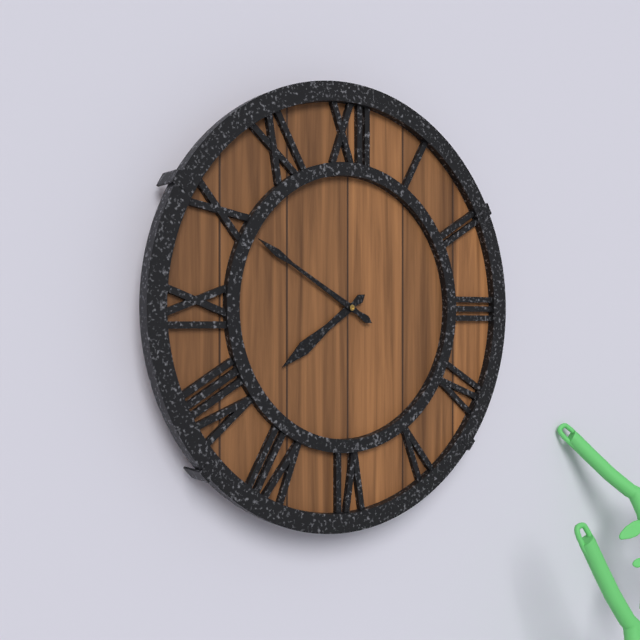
7:50
